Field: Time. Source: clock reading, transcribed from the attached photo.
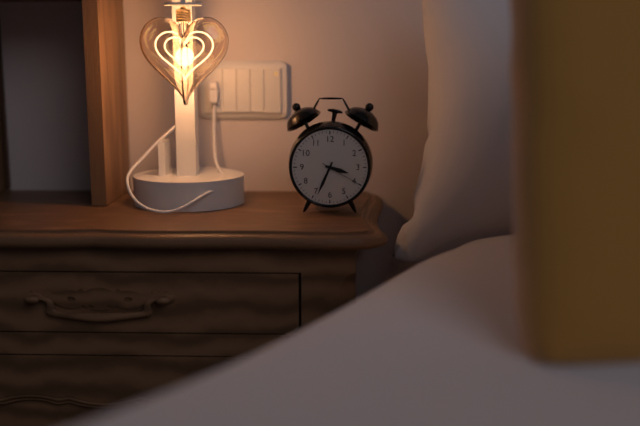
3:34
